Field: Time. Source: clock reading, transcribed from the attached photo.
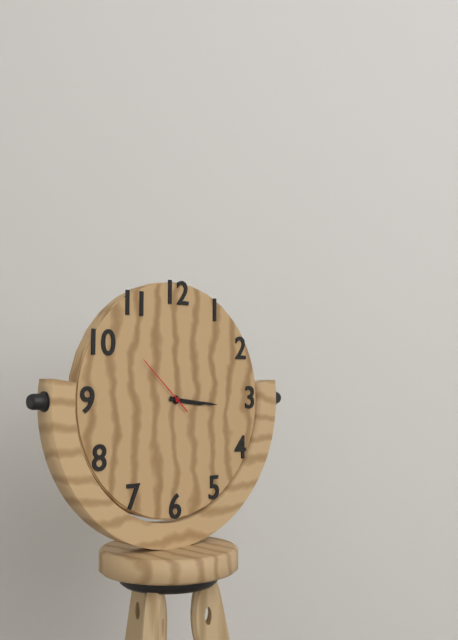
3:16:52
